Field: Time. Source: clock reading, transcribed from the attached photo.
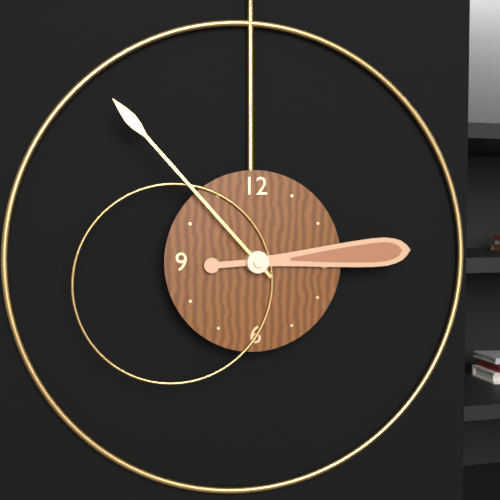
2:53
